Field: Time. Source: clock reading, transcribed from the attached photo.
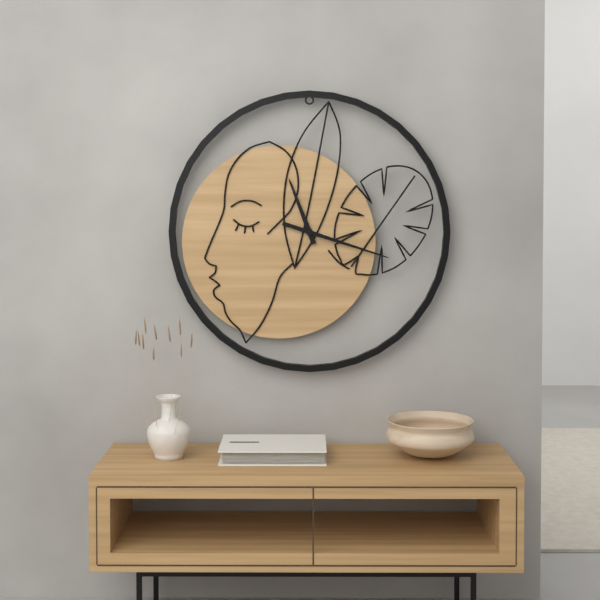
11:18
